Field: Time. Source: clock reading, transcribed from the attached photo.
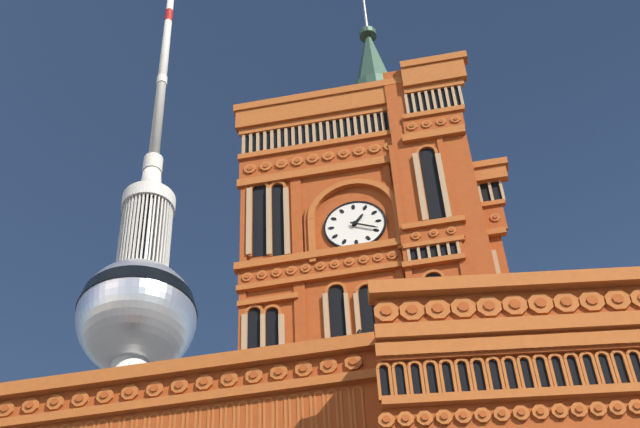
1:19
